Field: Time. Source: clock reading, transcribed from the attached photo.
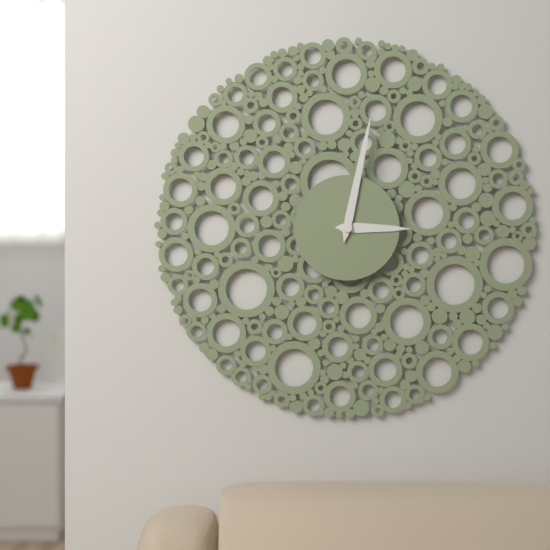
3:02
